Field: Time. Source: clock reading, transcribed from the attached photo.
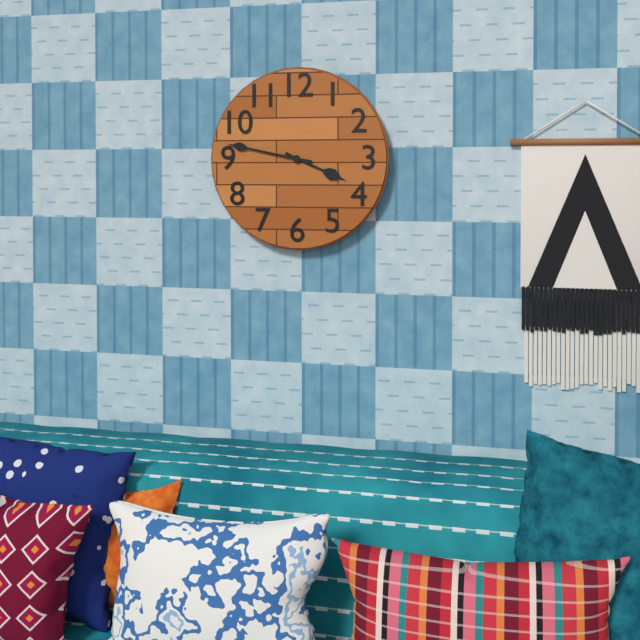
3:47
